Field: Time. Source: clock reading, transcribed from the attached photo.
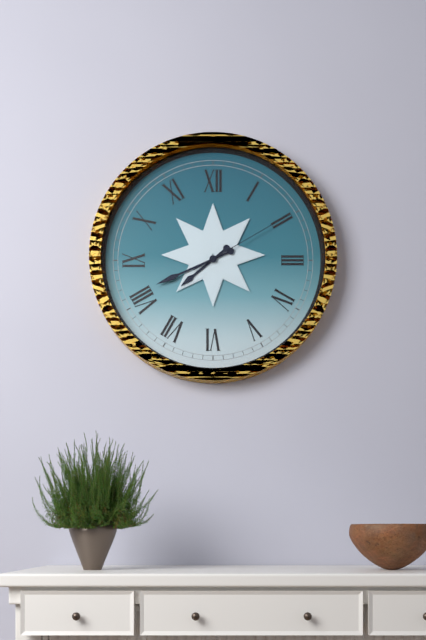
7:41:10
